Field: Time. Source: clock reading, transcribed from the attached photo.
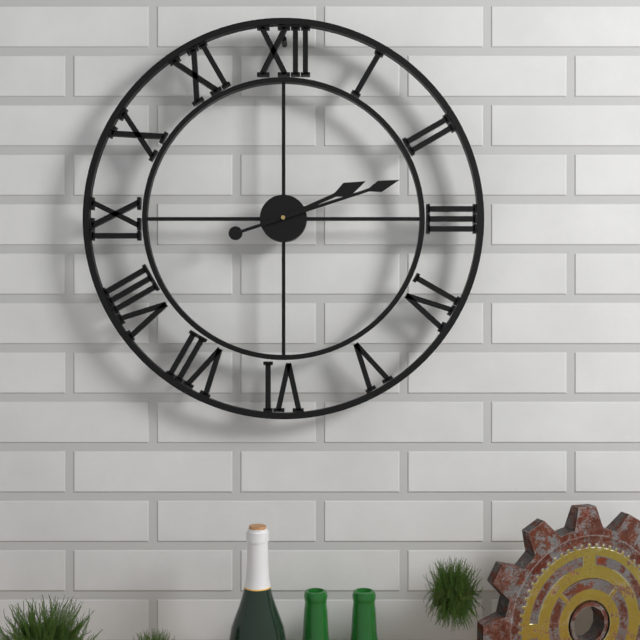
2:12
